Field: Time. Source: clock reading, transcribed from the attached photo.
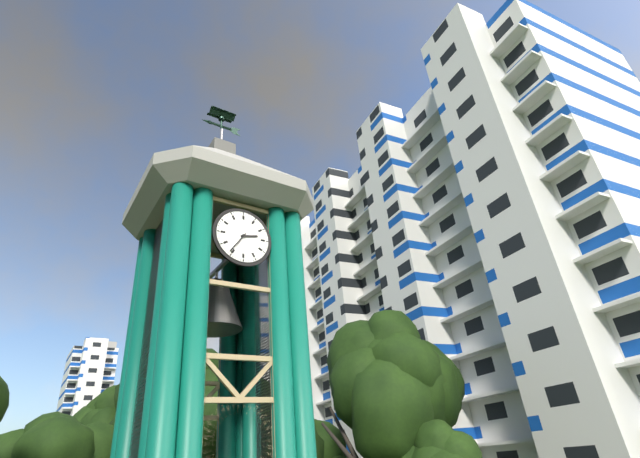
2:36
